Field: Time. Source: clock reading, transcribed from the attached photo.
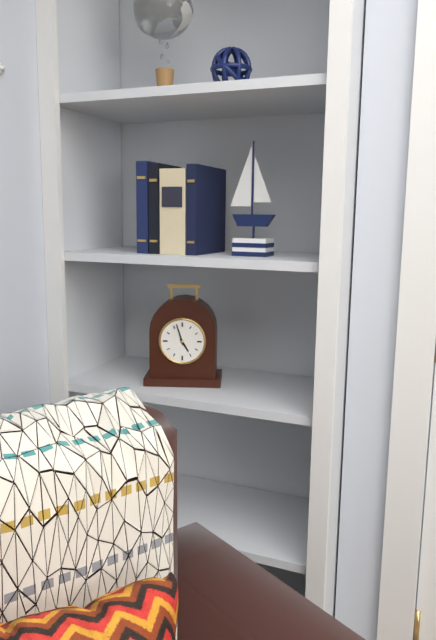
4:57
